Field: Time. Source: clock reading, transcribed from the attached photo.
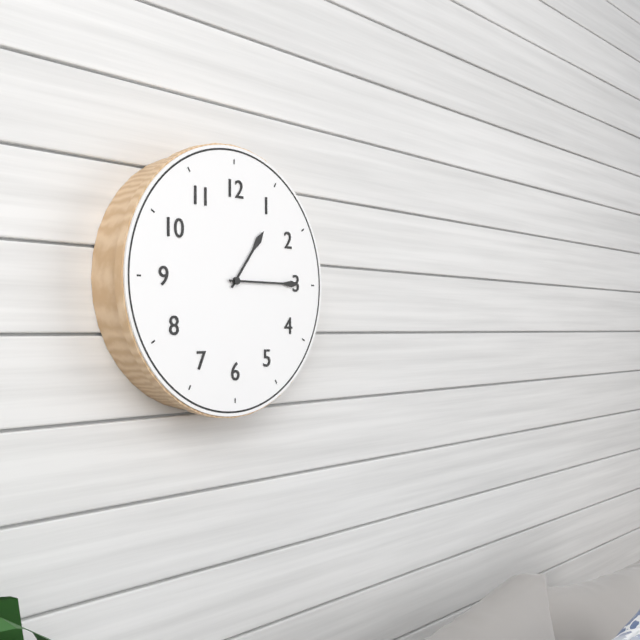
1:15
